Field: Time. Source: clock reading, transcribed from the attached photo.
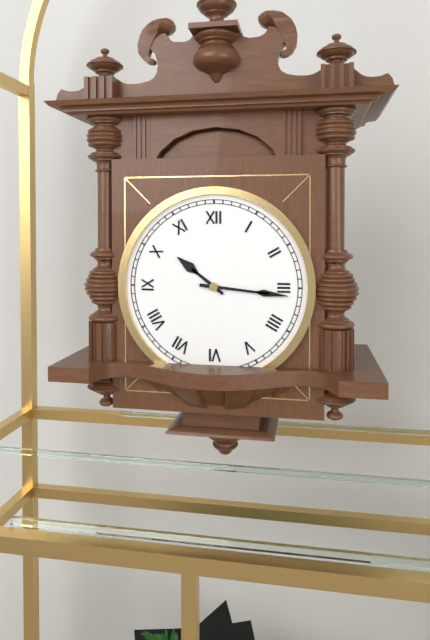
10:16
